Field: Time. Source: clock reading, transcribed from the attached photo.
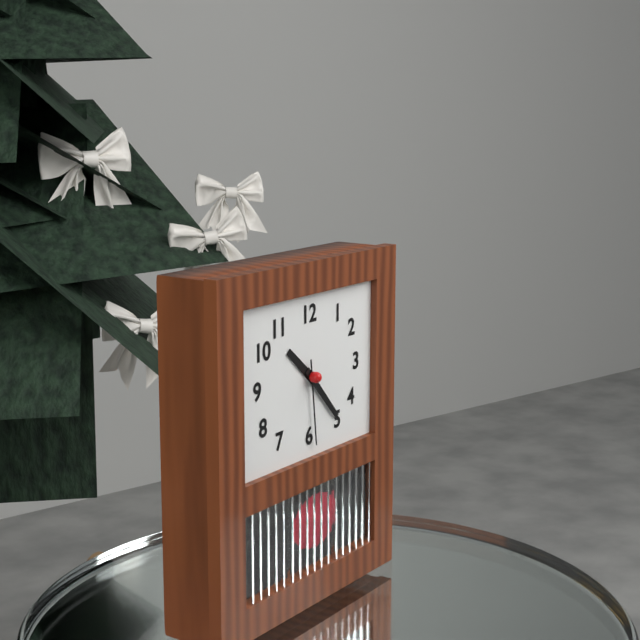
10:23:29
